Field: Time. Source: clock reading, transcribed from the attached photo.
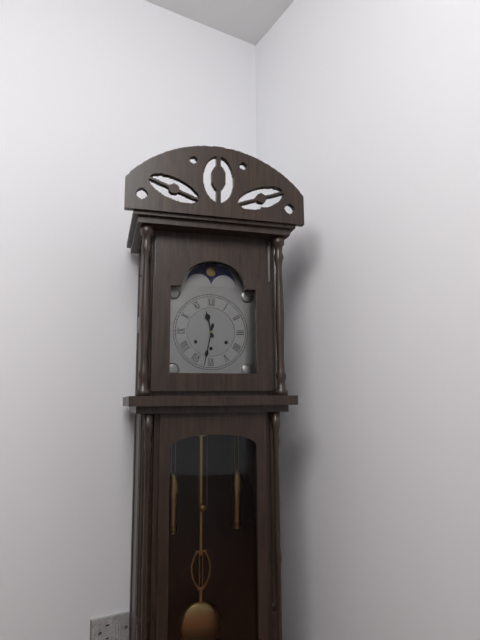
11:32
